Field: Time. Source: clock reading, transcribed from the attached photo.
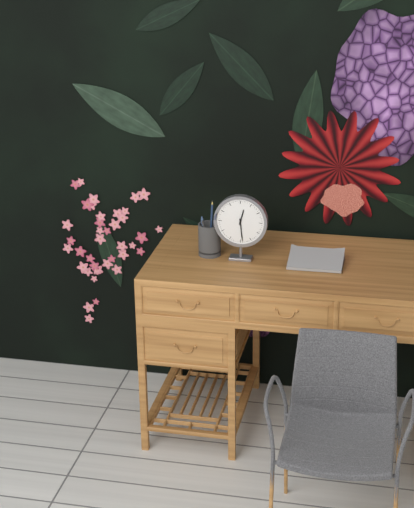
12:29
